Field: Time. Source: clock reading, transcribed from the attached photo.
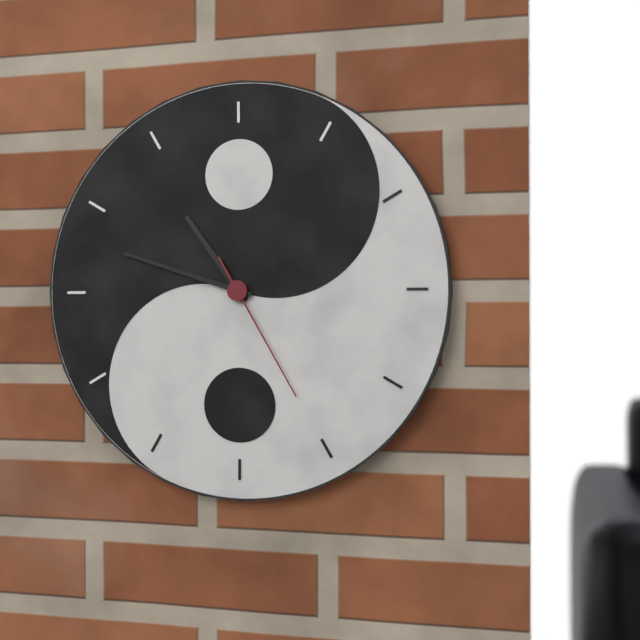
10:48:25
